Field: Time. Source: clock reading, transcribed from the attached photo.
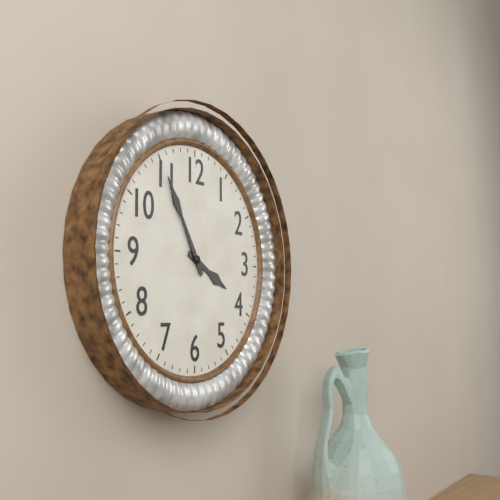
3:55
